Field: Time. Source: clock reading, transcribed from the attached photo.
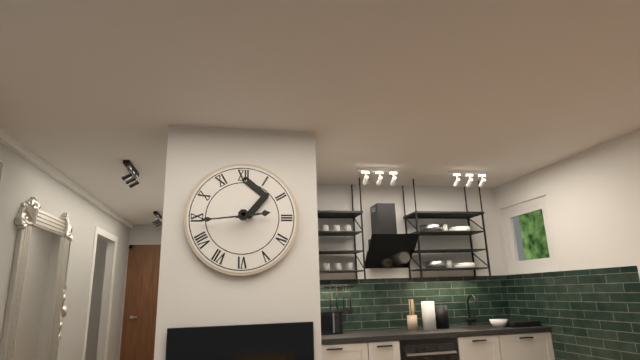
2:44
